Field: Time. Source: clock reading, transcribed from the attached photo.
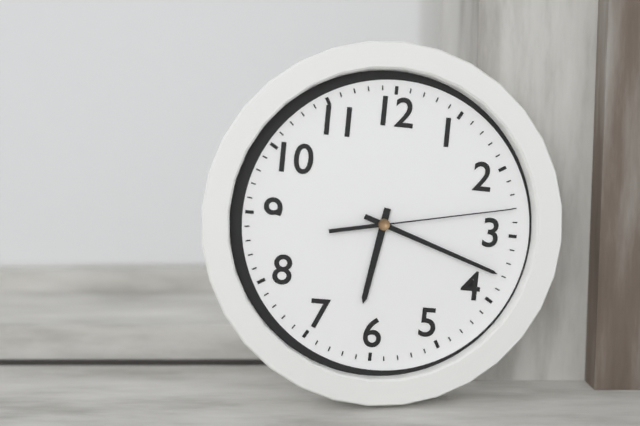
6:18:13
